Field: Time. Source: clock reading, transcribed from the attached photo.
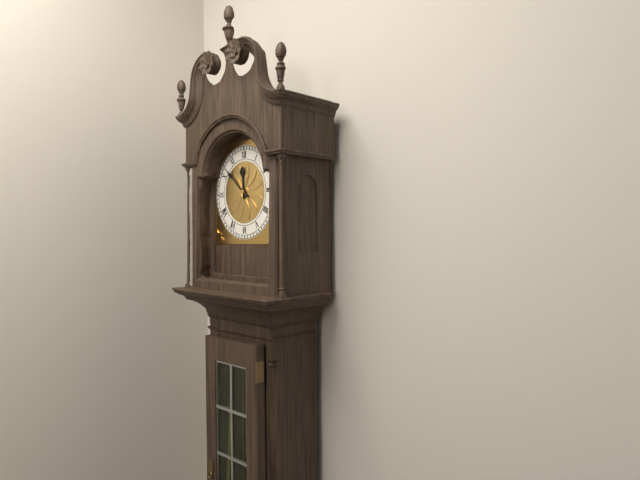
11:52
